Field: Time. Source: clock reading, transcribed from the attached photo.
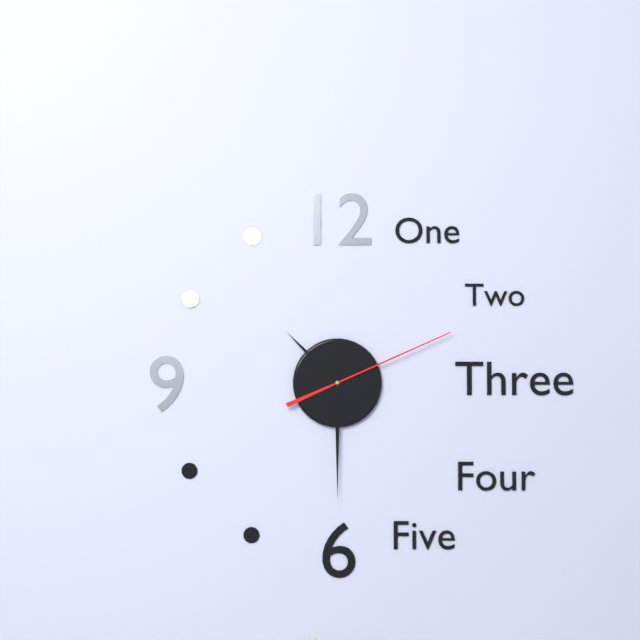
10:30:11
